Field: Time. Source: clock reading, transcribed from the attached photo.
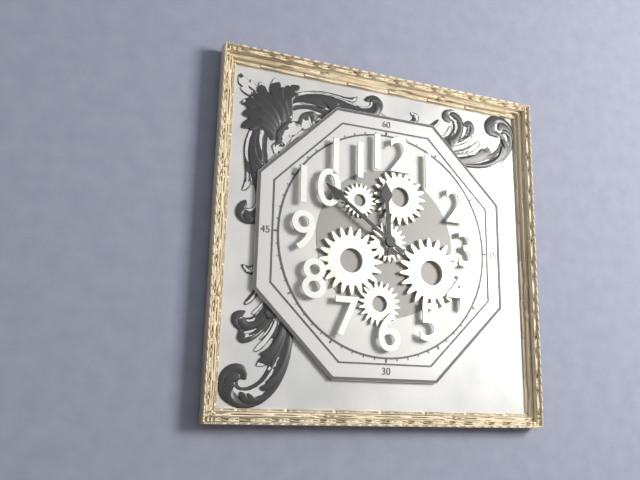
11:51
